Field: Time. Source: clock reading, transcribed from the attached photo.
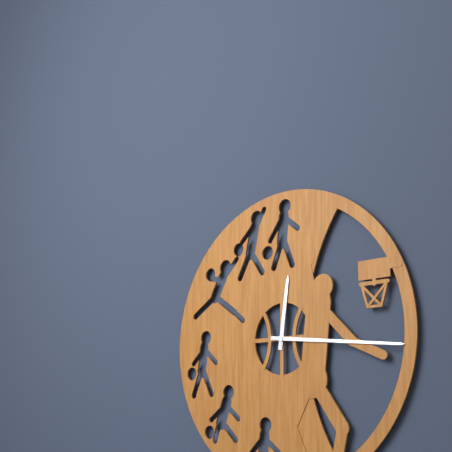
12:16
